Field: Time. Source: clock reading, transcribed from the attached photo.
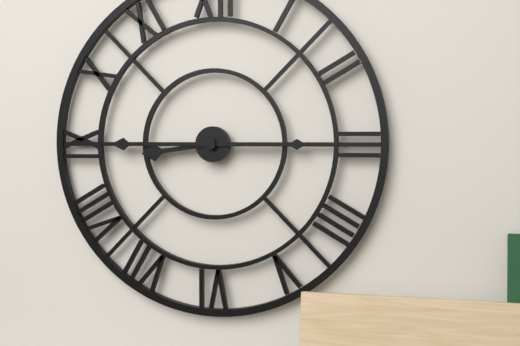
8:45
